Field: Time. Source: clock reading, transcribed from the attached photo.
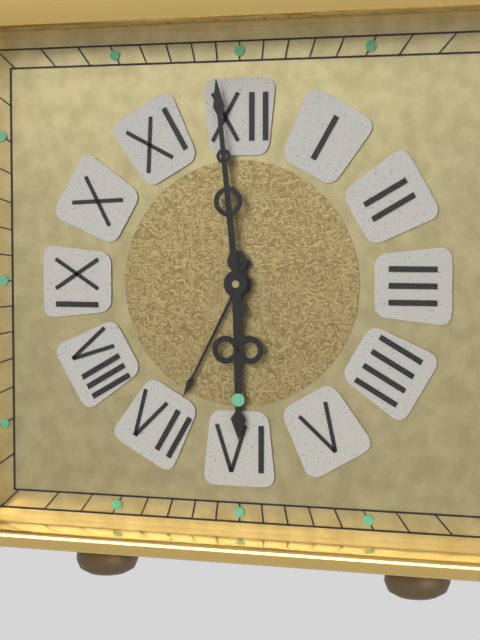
5:59
